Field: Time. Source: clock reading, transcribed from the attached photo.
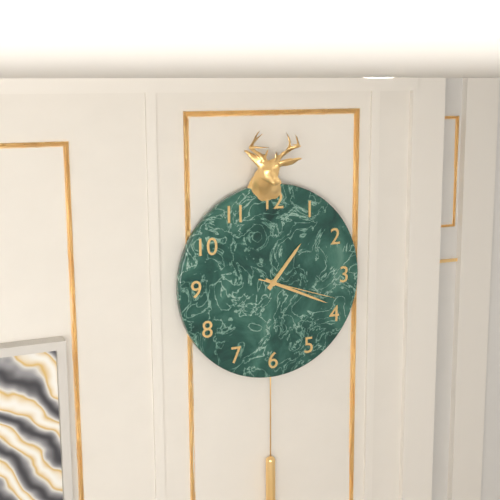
1:19:18
